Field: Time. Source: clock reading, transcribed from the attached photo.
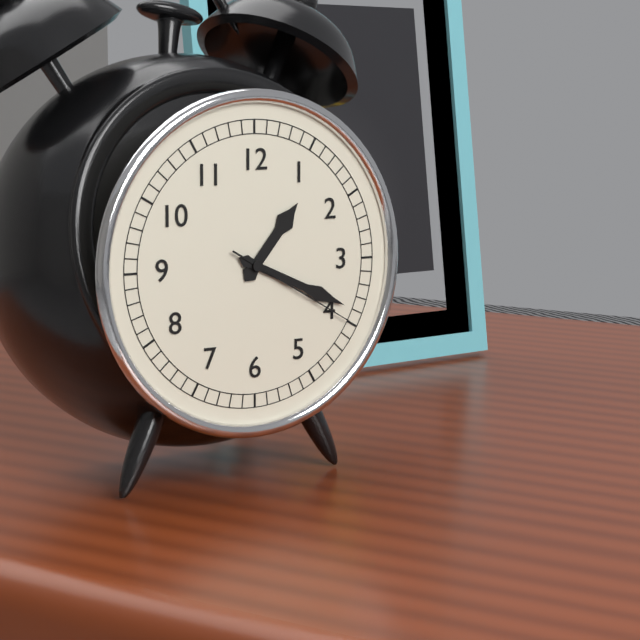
1:19:20
